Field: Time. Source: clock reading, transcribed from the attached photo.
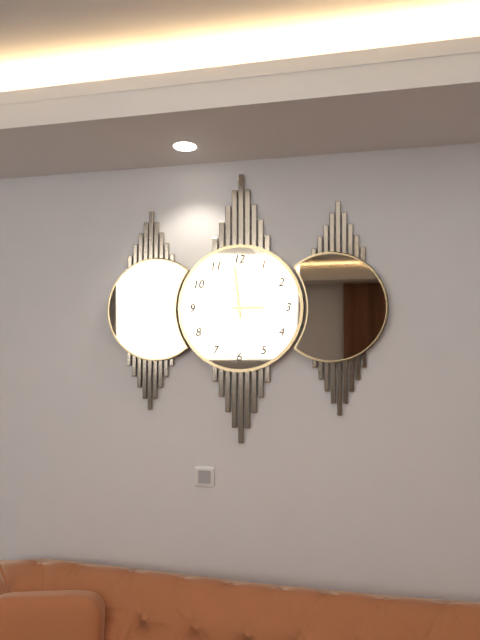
2:59
